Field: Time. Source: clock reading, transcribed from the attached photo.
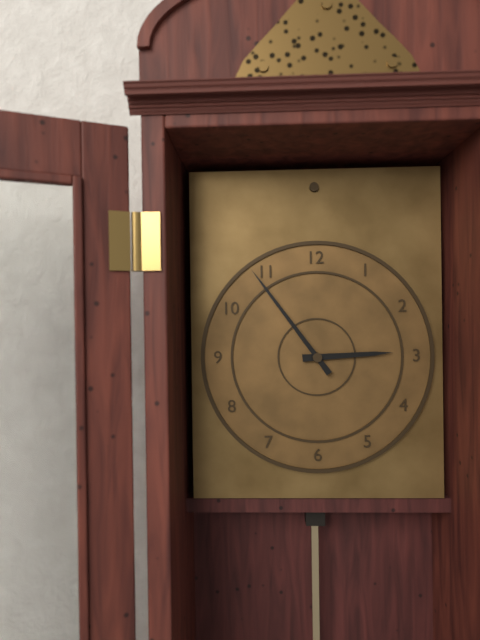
2:54
